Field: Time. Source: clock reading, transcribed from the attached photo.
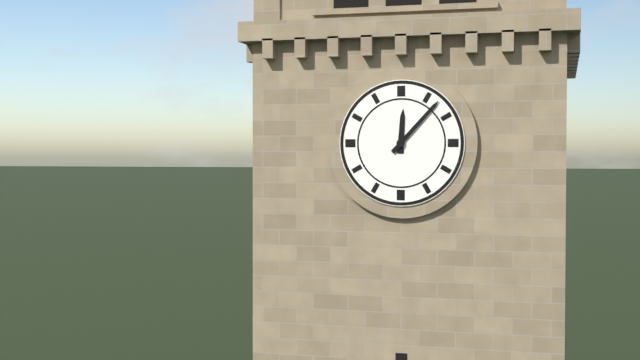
12:07
